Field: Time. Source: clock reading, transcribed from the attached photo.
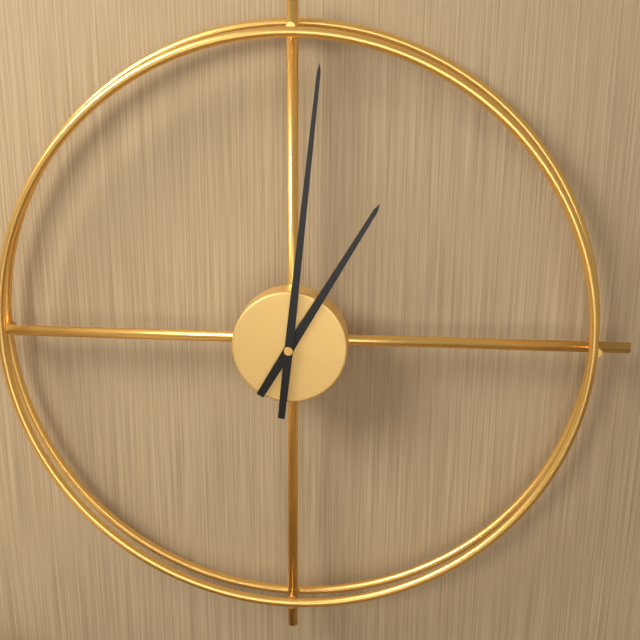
1:01
